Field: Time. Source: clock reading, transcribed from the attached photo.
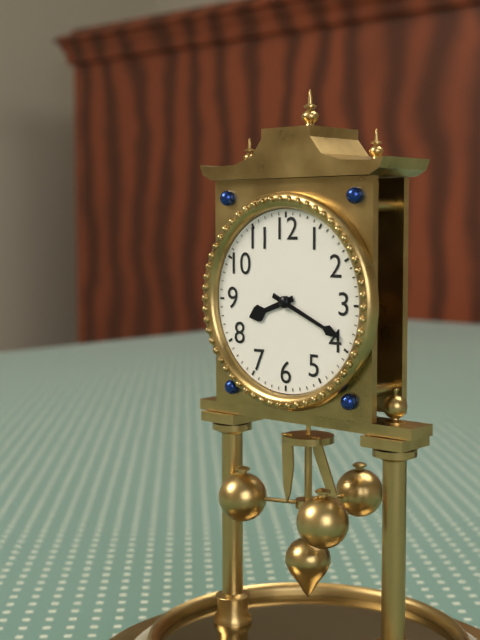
8:19
